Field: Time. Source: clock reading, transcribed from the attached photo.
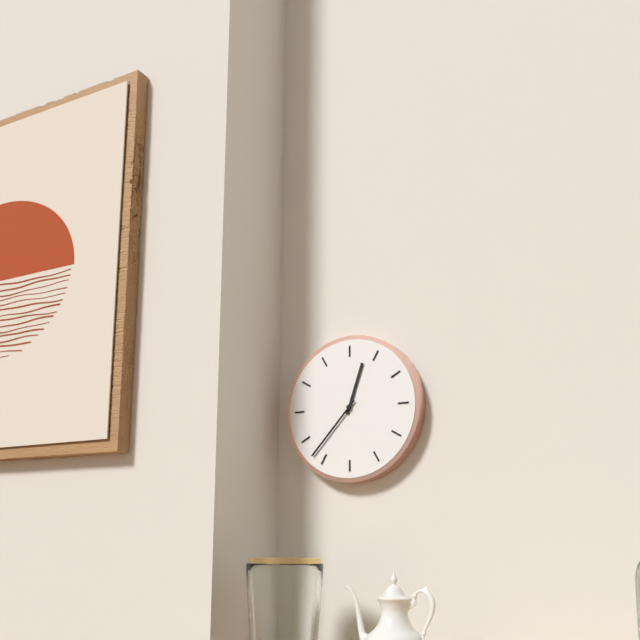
12:37
